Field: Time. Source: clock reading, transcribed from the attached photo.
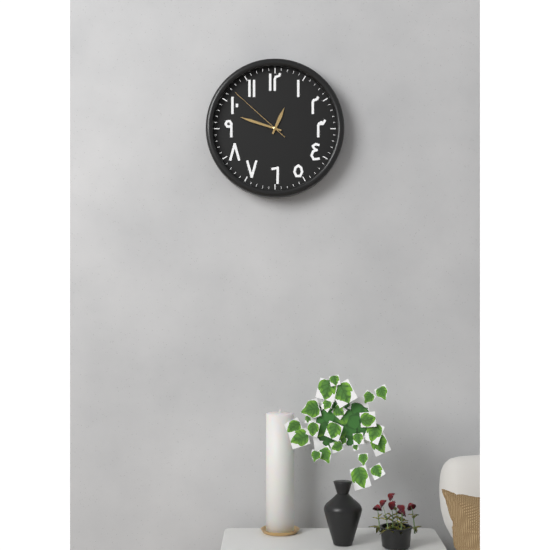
12:48:52
